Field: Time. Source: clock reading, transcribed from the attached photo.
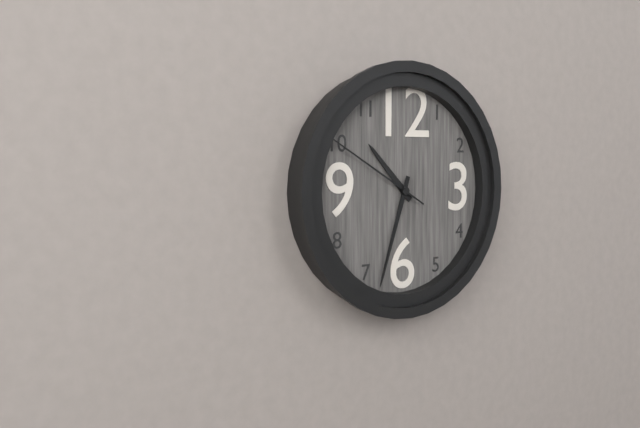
10:33:50
